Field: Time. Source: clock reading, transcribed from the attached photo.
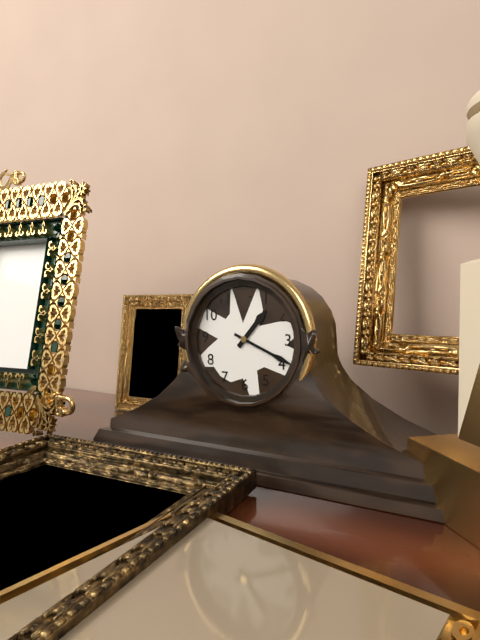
1:19
